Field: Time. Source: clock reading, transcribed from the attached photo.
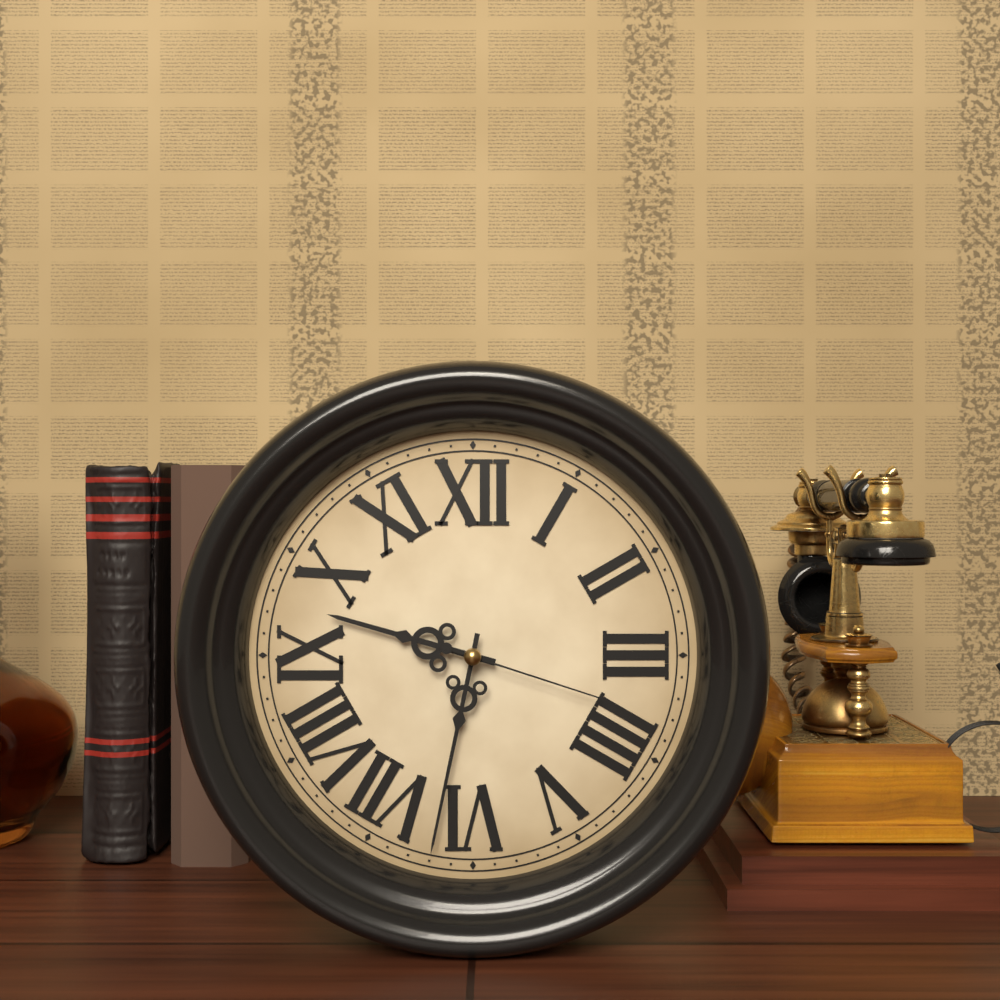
9:32:18
